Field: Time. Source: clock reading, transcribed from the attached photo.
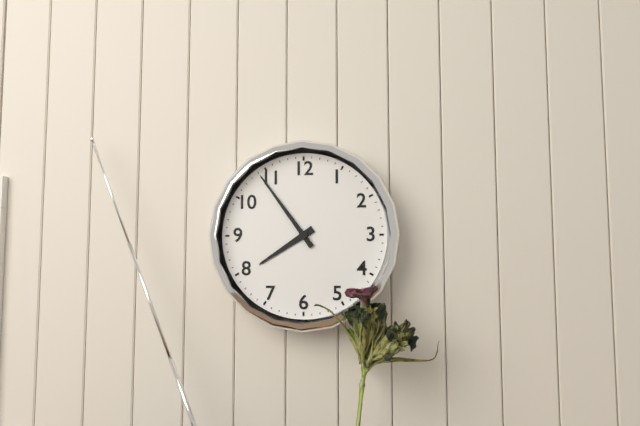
7:54
